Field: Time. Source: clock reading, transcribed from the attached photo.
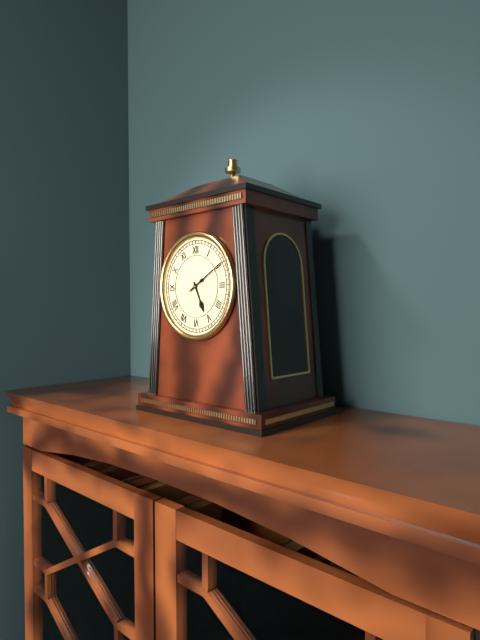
5:10
